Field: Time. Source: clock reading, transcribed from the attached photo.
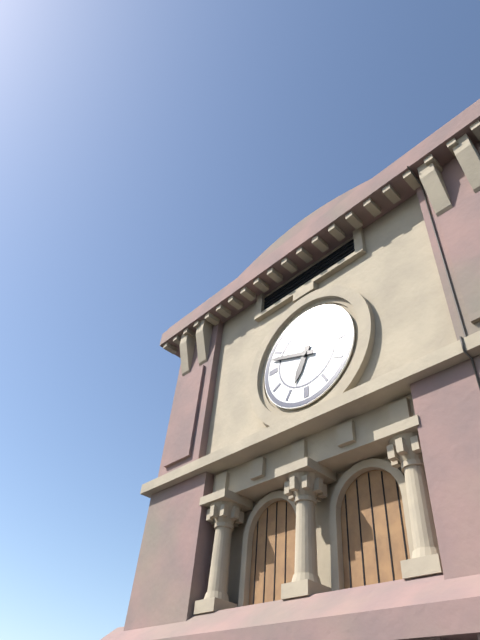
6:48
